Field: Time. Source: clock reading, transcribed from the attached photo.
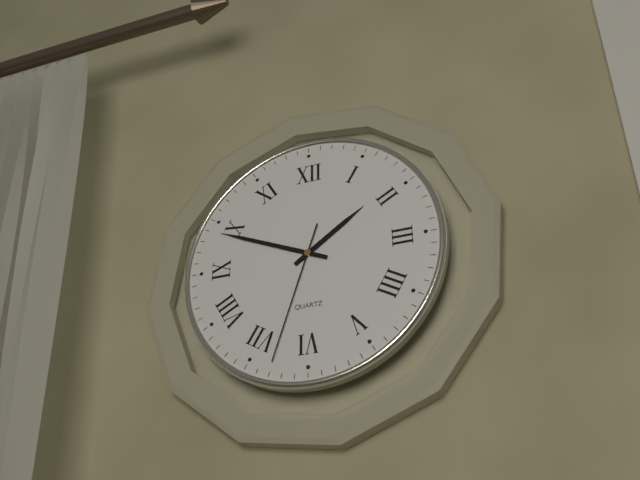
1:49:33
